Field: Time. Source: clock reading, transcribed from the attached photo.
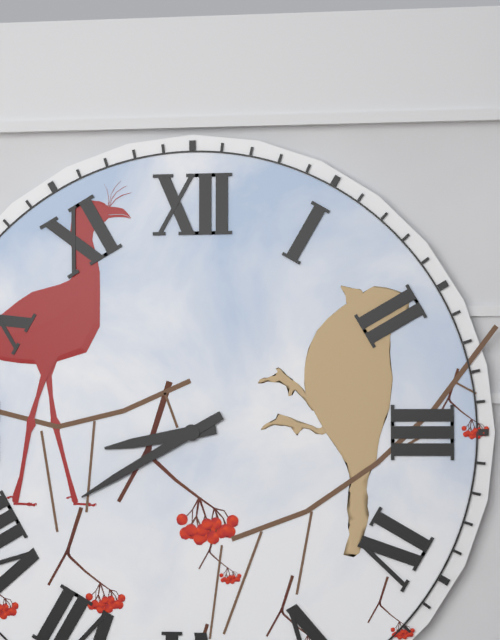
8:40
